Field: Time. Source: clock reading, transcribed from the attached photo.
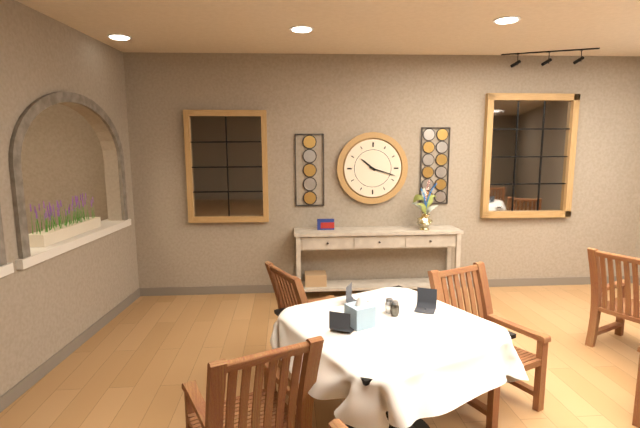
10:18
